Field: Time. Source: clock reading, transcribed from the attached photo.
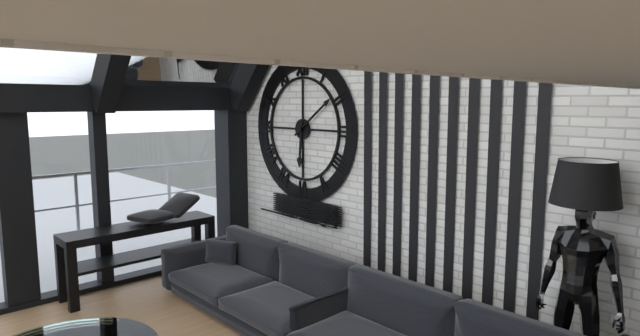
6:09
